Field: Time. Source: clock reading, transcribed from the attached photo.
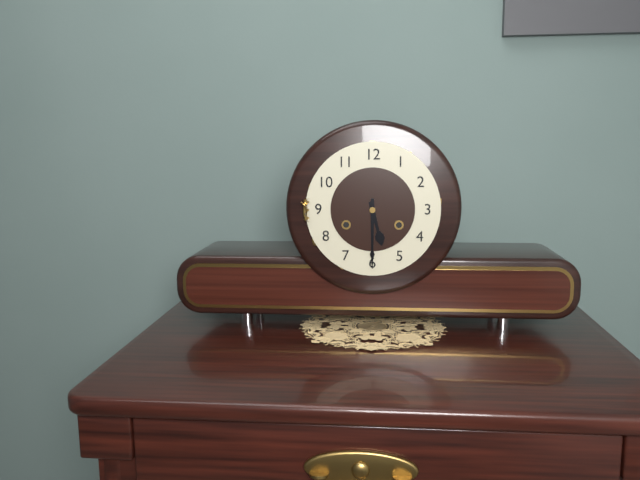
5:30
